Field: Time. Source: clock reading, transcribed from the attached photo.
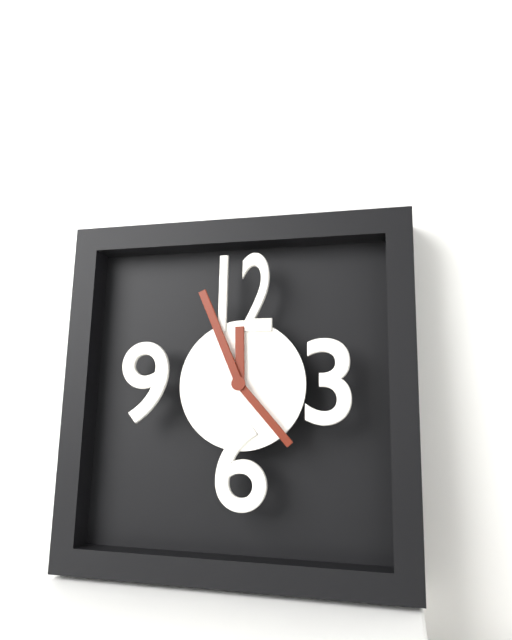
11:56:23
